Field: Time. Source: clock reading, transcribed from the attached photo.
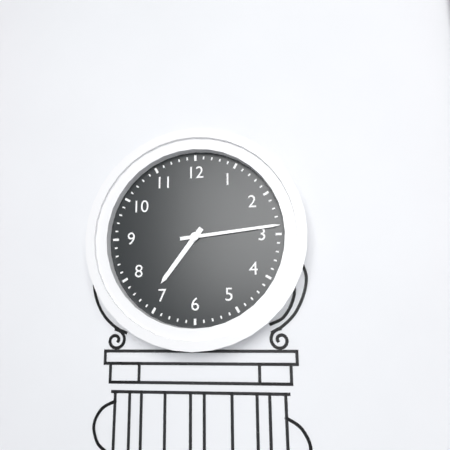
7:14
